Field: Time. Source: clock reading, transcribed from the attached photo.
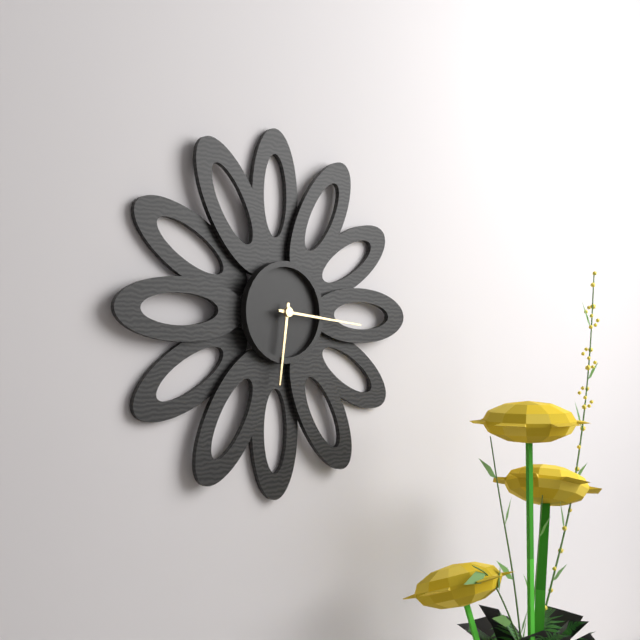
6:16
